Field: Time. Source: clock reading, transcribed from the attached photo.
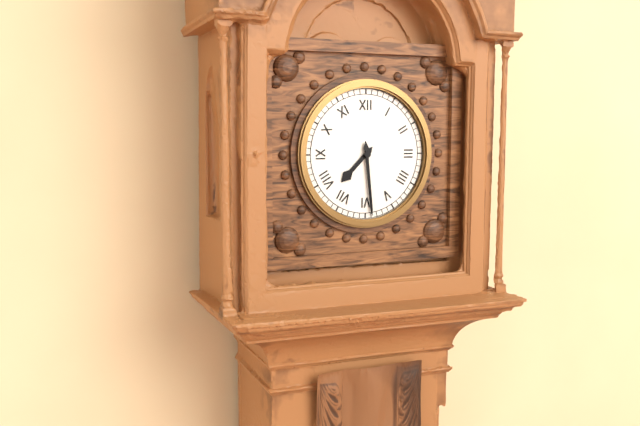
7:29
